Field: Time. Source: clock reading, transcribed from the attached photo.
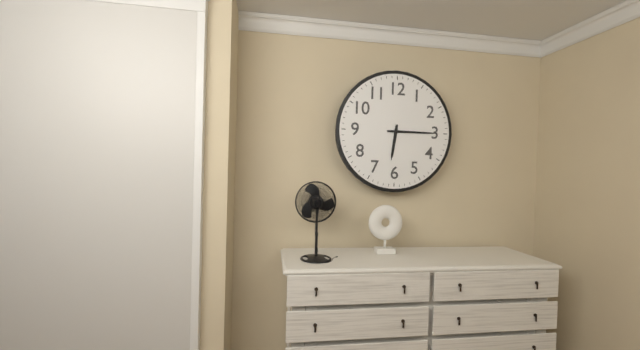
6:15
